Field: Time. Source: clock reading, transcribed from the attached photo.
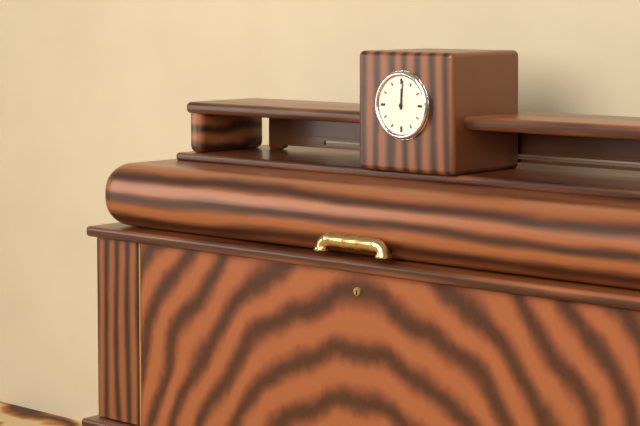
12:01
